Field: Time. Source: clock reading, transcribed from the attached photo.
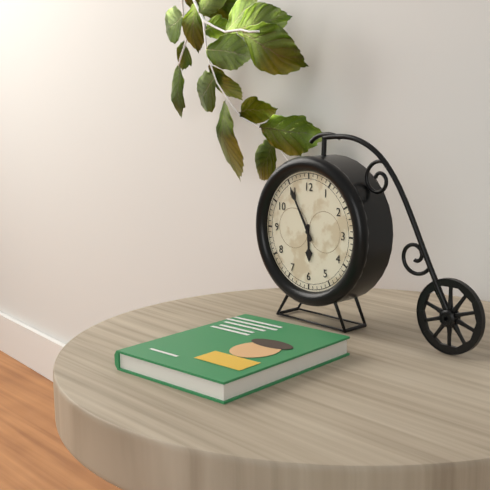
5:55
